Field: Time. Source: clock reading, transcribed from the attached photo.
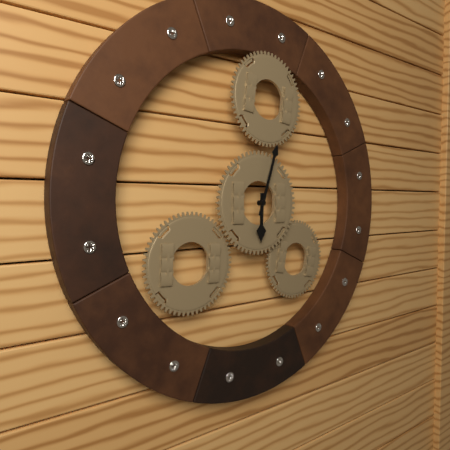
6:03
